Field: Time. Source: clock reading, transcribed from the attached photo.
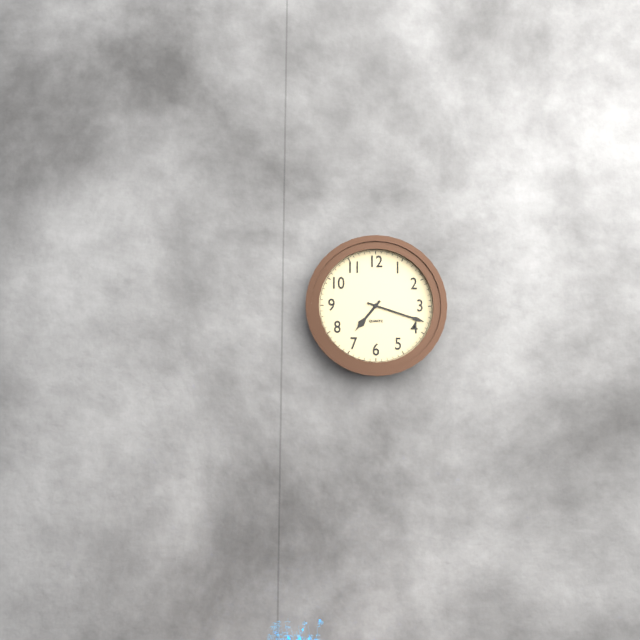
7:18
